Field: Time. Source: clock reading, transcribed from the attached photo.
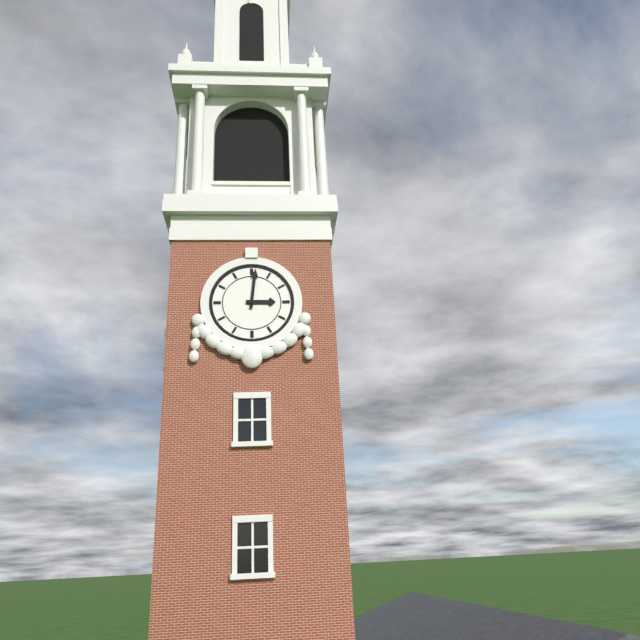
3:01
